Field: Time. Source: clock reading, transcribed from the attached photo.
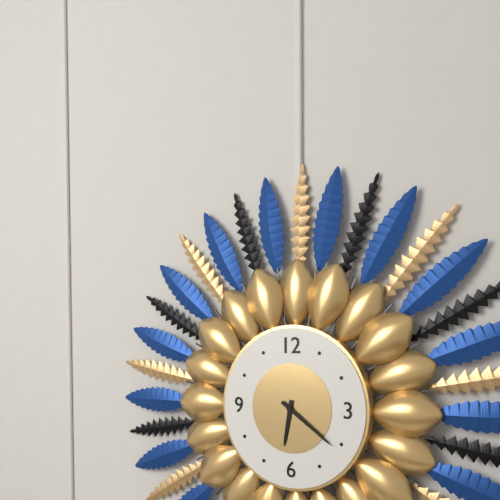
6:21
